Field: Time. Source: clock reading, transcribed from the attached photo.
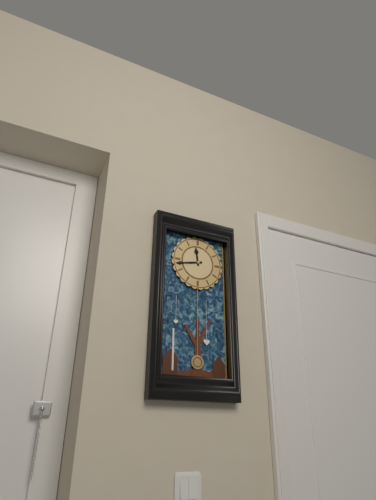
11:43
